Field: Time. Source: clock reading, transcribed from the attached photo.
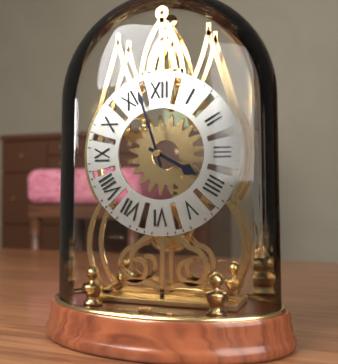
3:57
